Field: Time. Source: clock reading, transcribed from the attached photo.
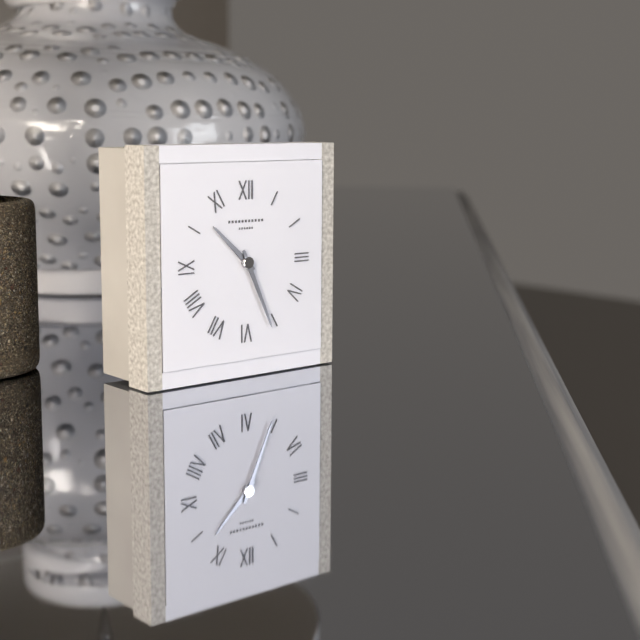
10:26
